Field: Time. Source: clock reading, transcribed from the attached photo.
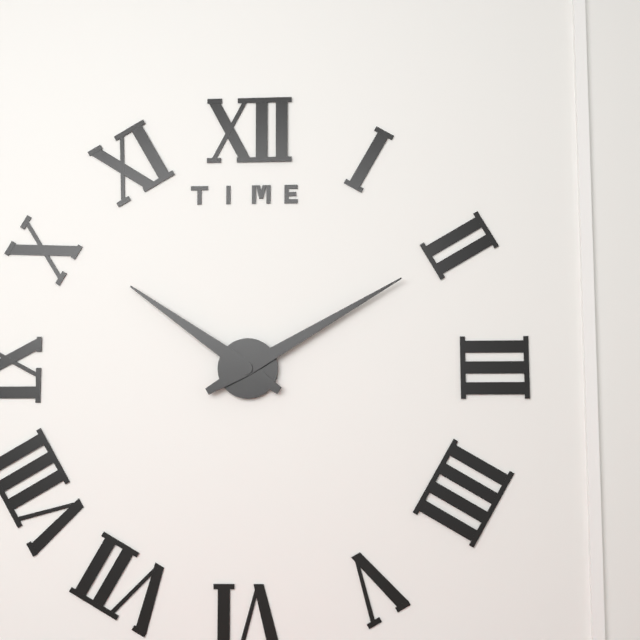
10:10
